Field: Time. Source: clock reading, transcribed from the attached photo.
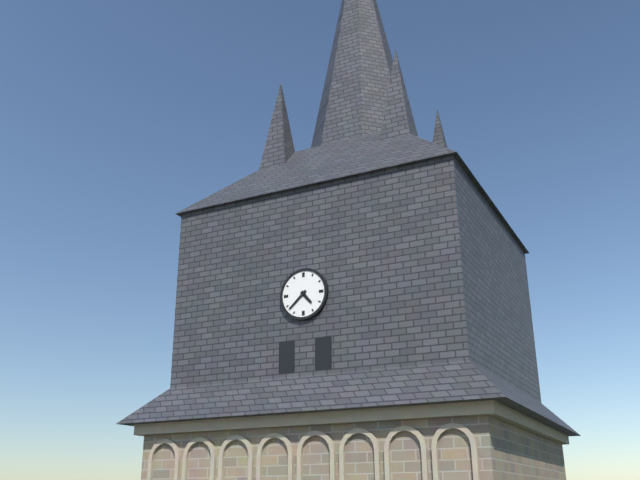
4:38
